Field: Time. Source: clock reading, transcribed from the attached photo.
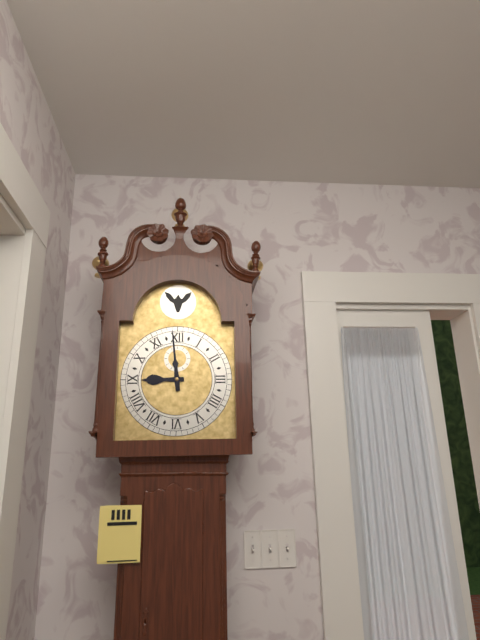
8:59
